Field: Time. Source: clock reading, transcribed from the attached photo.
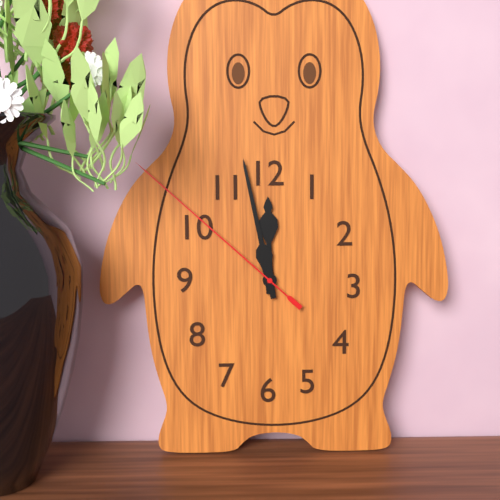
11:58:52
